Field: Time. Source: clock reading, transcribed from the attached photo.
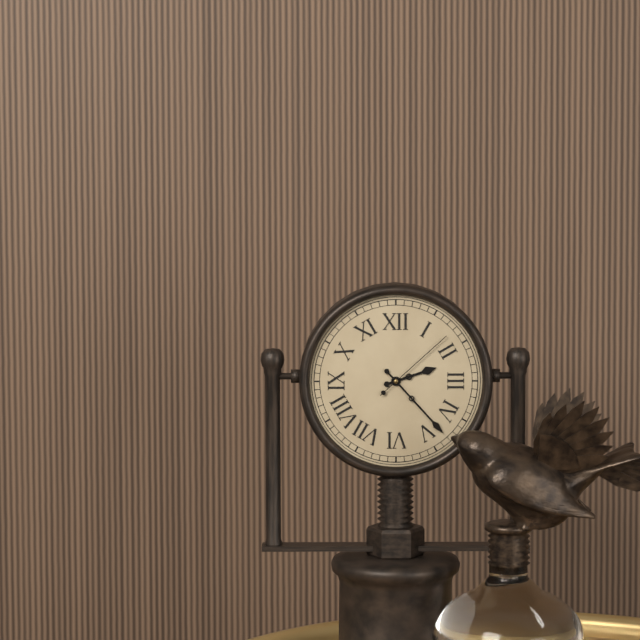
2:23:08
